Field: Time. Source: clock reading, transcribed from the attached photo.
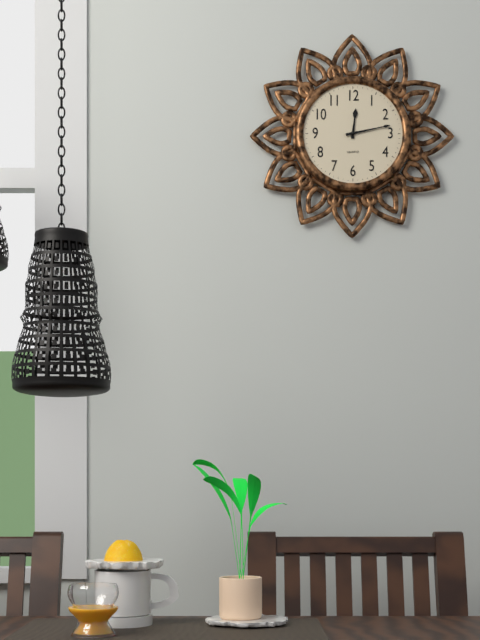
12:13
